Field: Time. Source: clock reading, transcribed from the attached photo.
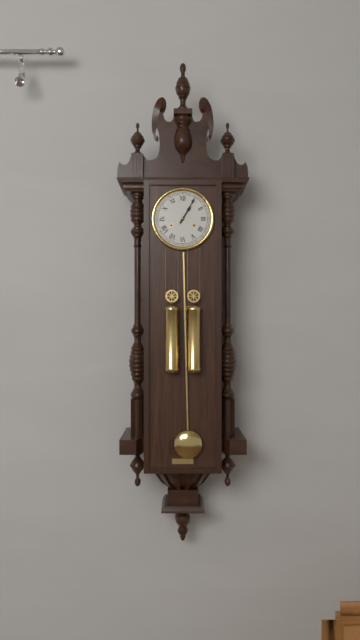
1:05
